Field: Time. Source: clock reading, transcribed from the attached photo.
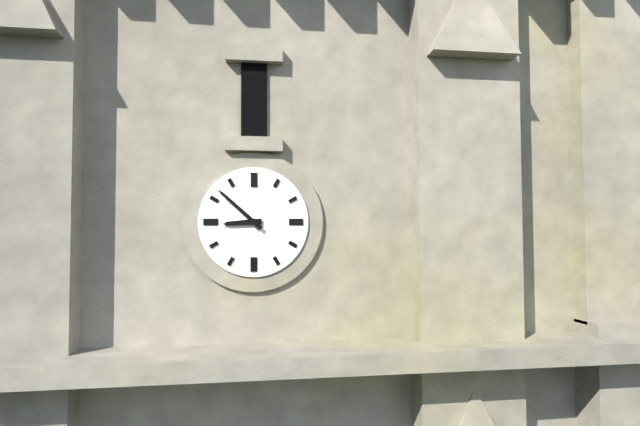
8:52
